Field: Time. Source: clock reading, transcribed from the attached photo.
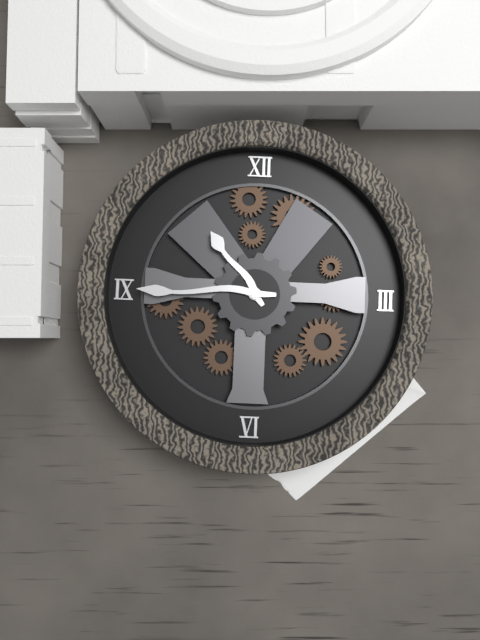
10:45
